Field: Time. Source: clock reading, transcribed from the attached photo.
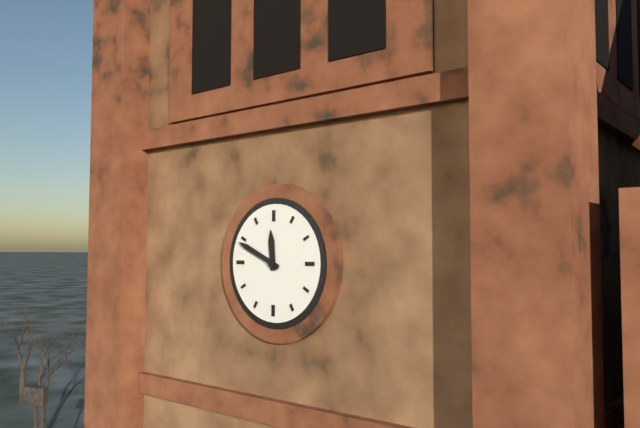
11:49
